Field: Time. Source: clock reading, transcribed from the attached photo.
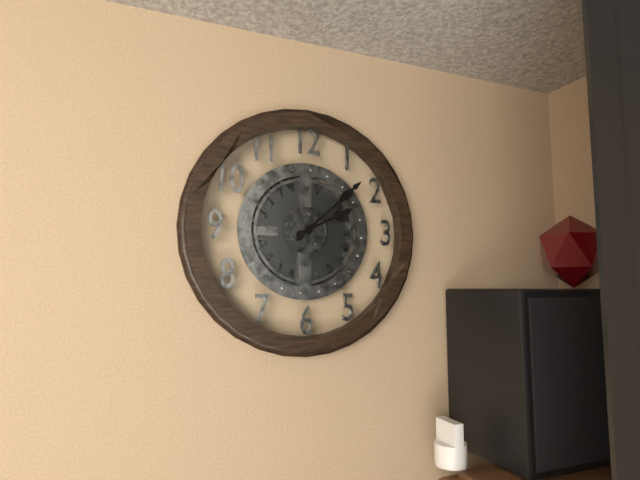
2:08
